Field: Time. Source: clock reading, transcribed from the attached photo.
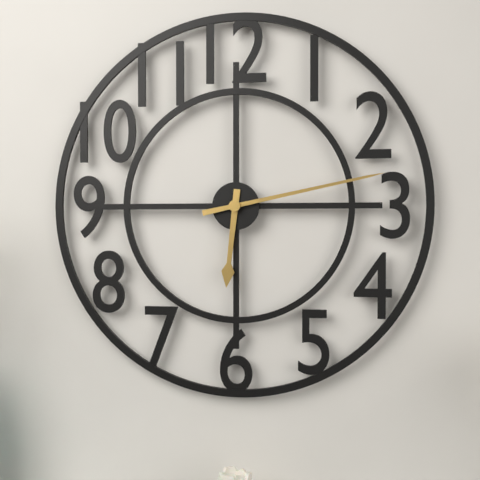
6:13
